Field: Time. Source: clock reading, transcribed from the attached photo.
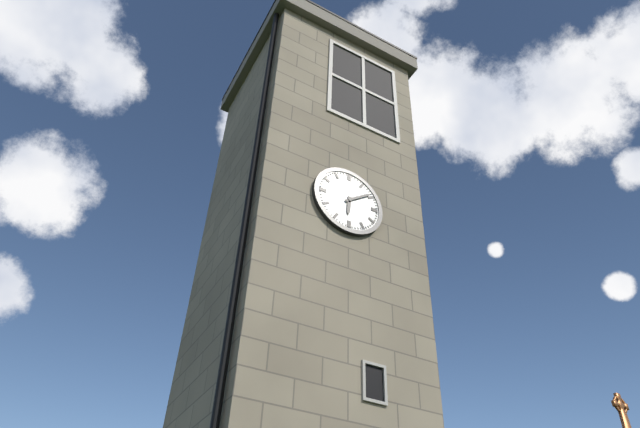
6:09
